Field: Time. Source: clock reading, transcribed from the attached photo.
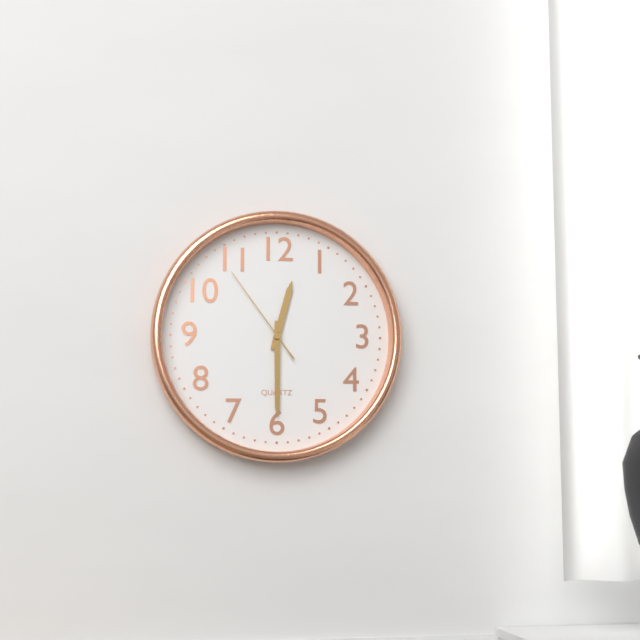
12:30:54
